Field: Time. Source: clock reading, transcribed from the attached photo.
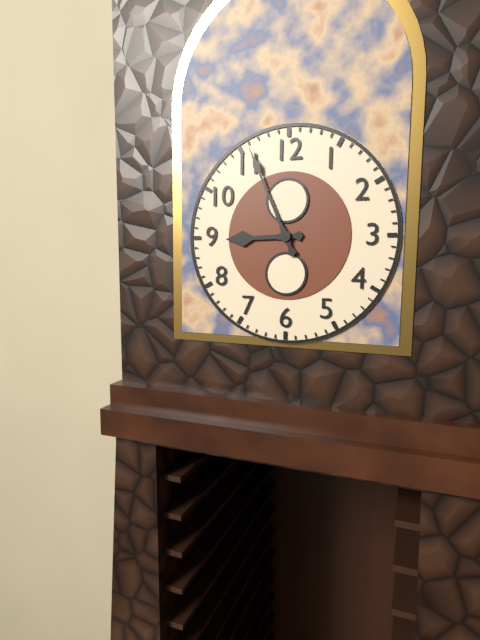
8:56
